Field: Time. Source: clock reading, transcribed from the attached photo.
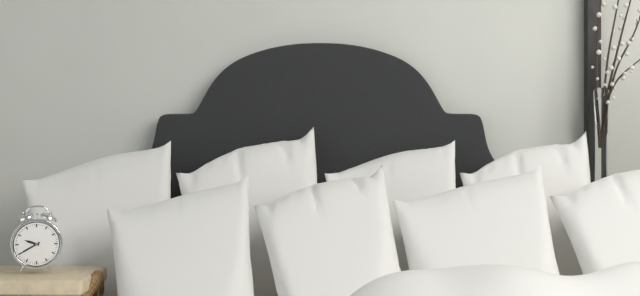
9:40
